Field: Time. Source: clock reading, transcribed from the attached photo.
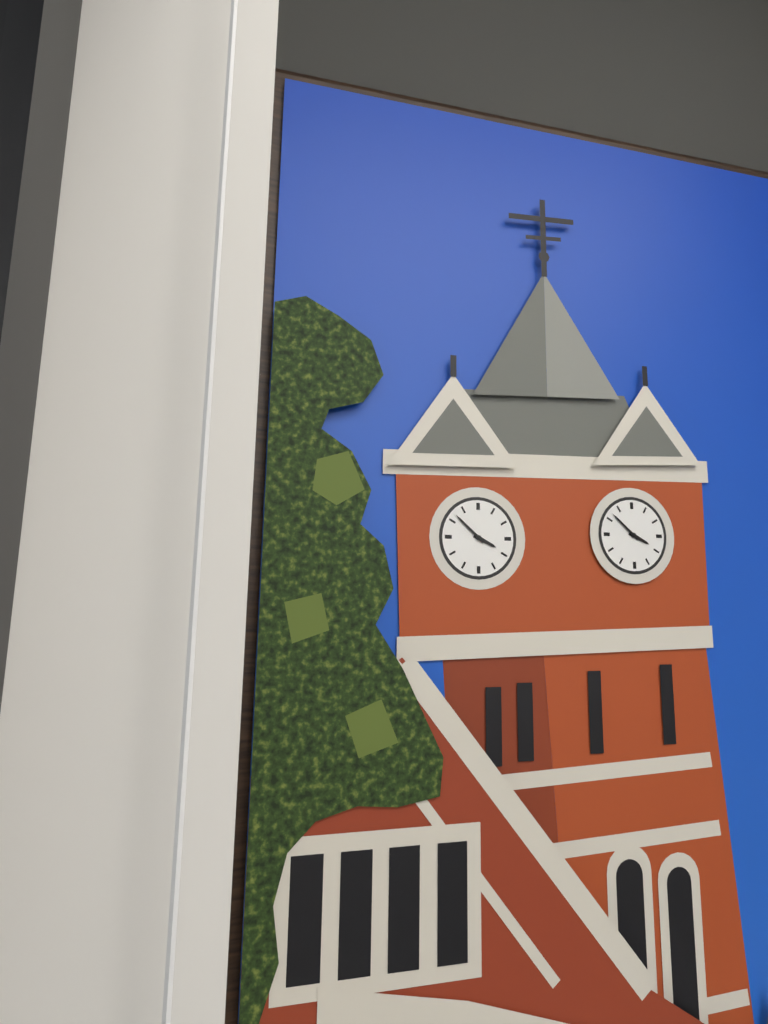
3:52
